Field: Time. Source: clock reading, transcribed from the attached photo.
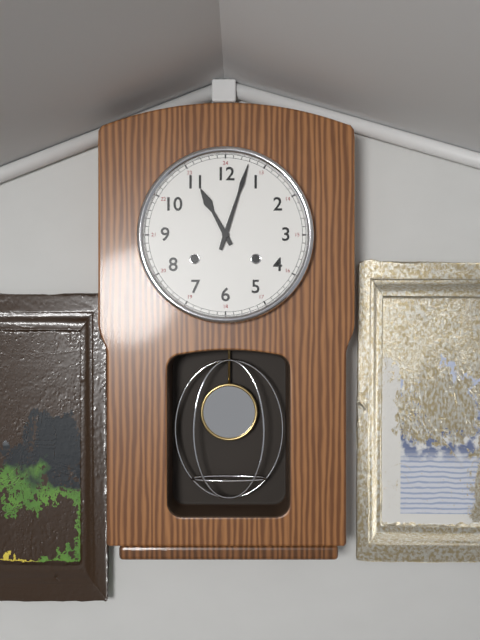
11:03
